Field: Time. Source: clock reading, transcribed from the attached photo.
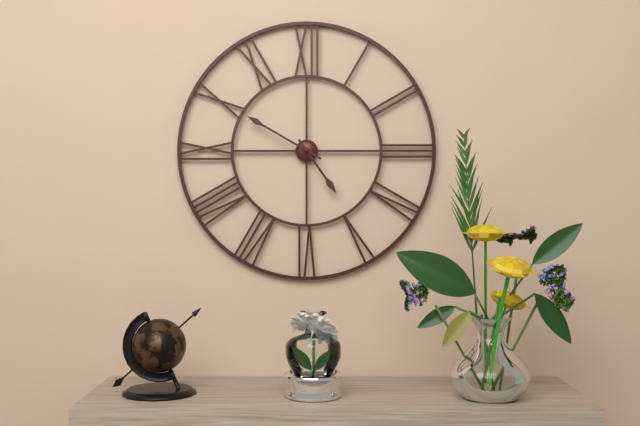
4:50
